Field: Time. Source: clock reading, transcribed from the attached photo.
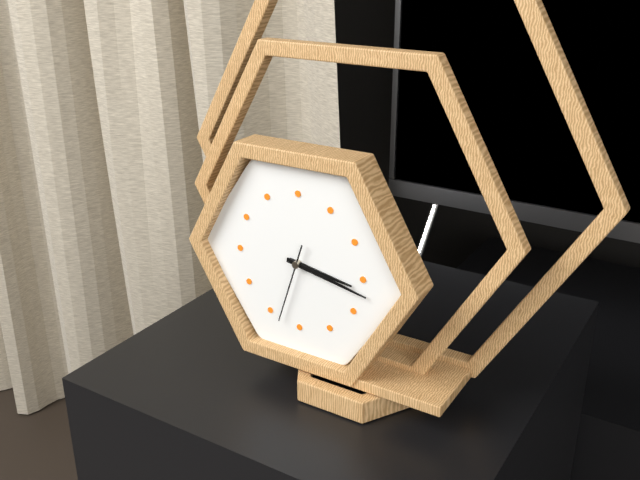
3:17:33
